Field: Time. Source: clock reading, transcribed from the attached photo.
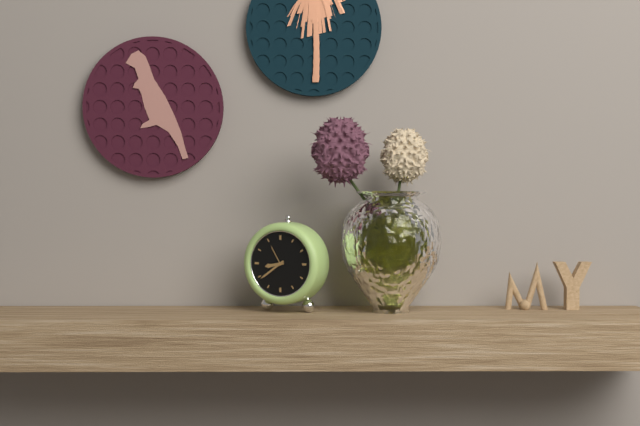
8:39
